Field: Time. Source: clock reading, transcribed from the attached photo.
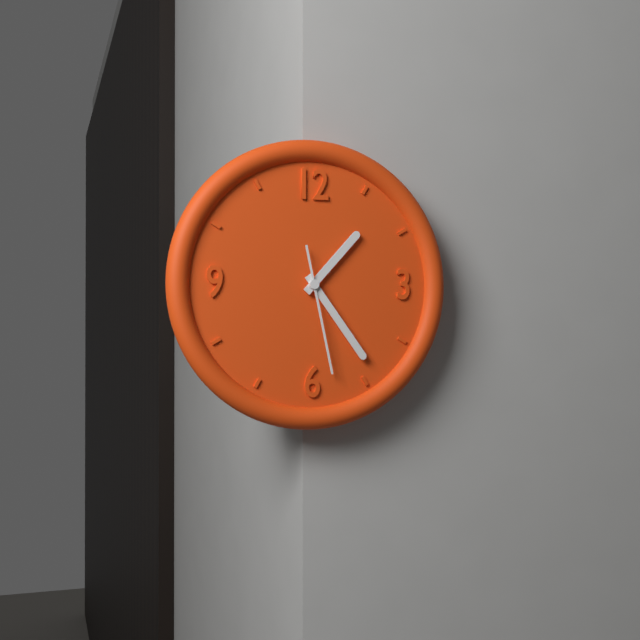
1:24:28
